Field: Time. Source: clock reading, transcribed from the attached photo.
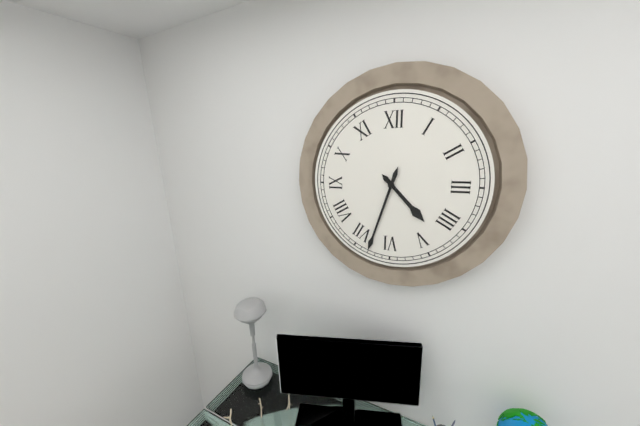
4:33
